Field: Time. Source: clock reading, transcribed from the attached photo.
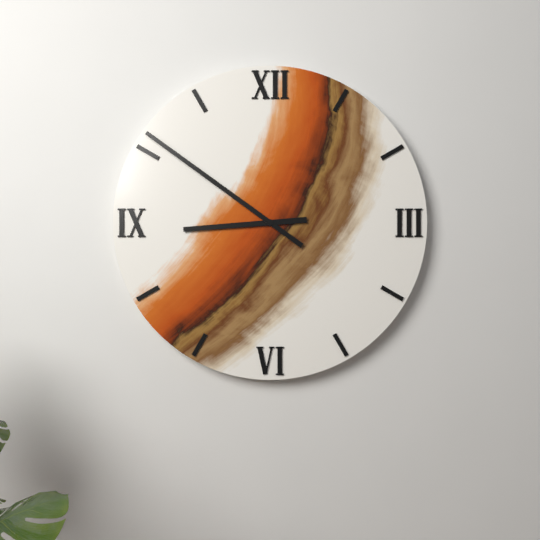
8:51
